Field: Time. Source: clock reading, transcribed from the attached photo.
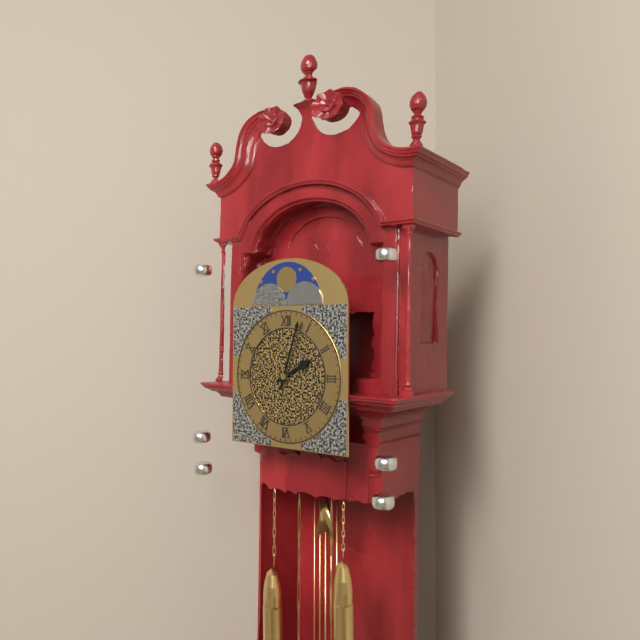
2:03
